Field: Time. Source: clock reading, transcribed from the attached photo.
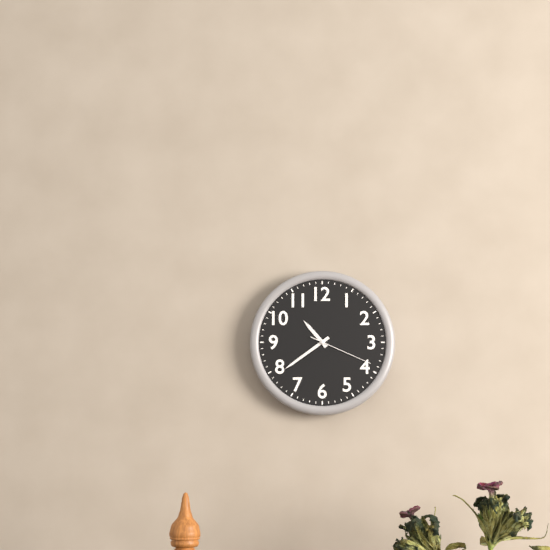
10:39:19
